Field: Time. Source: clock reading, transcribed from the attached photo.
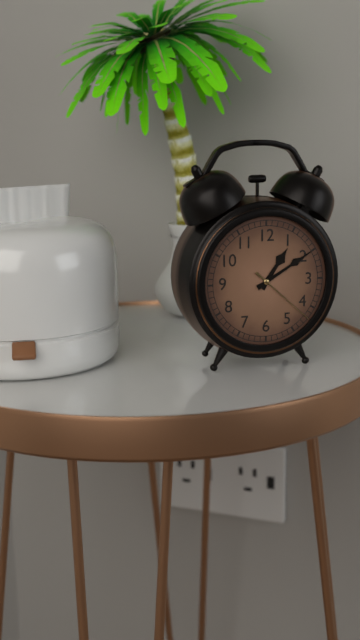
1:10:22
